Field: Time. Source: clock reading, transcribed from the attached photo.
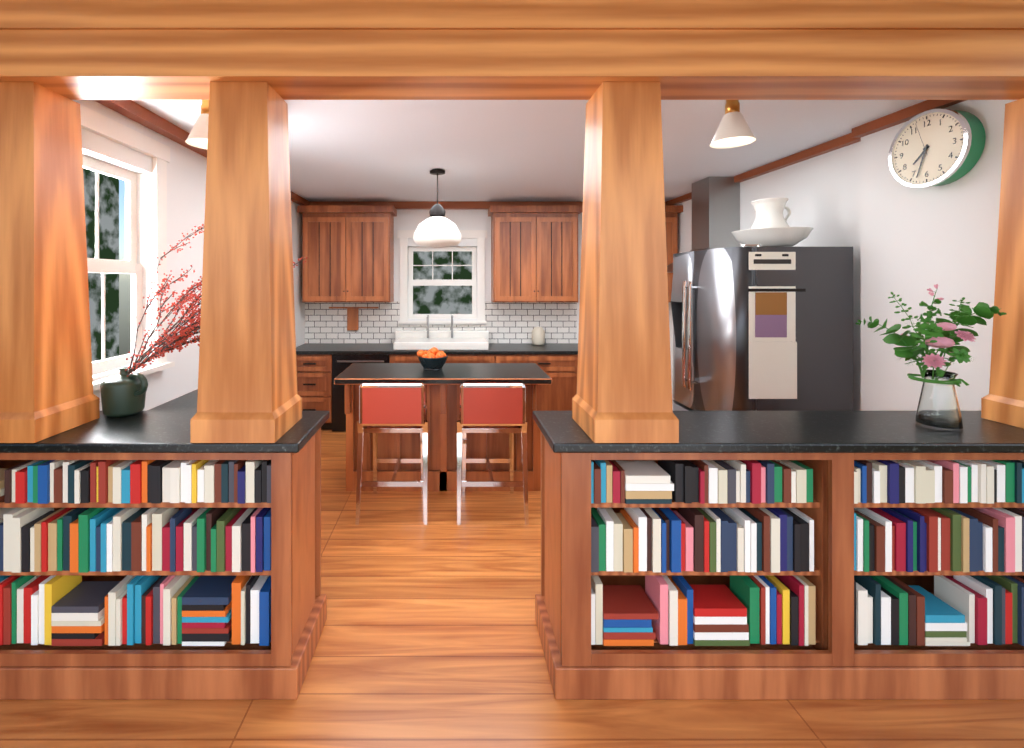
7:33
